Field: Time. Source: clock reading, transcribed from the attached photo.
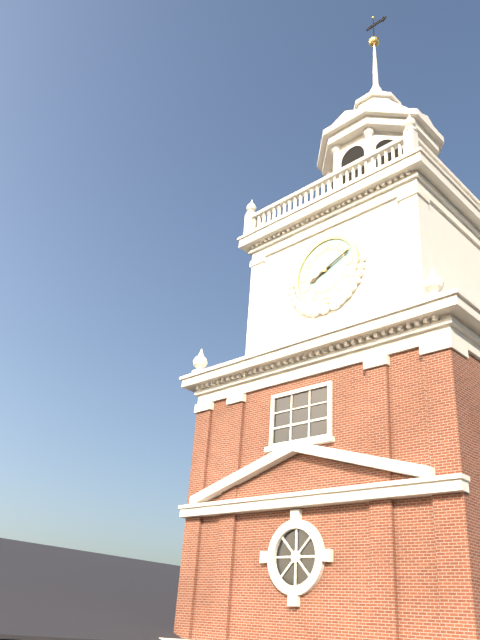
8:11
